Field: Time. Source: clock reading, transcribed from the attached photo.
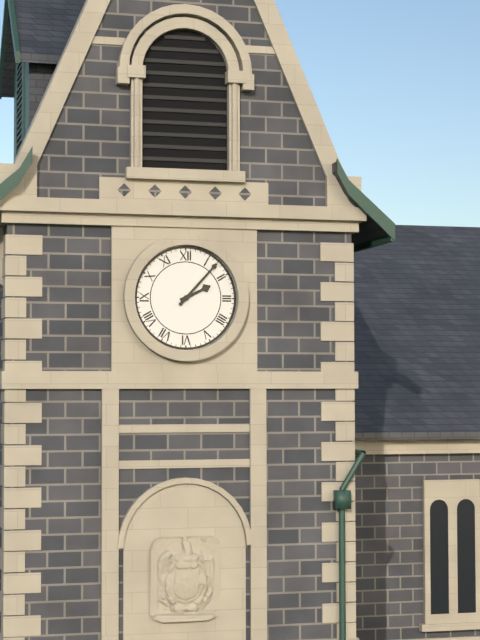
2:07
